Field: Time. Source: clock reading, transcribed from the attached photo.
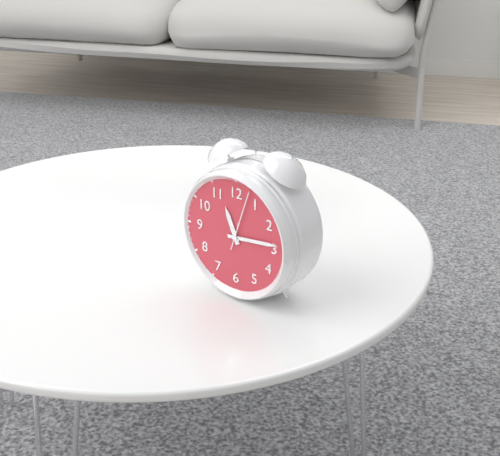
11:14:03
